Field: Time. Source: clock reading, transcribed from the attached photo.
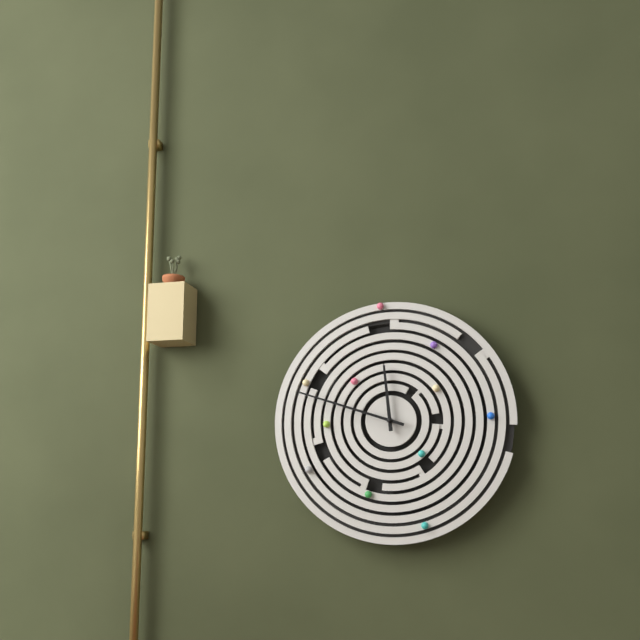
11:48
